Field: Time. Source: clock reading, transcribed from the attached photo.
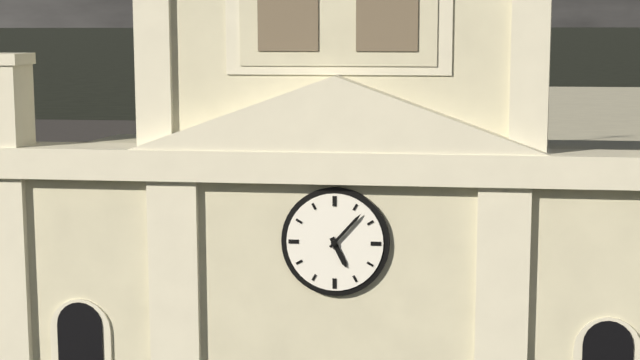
5:07
